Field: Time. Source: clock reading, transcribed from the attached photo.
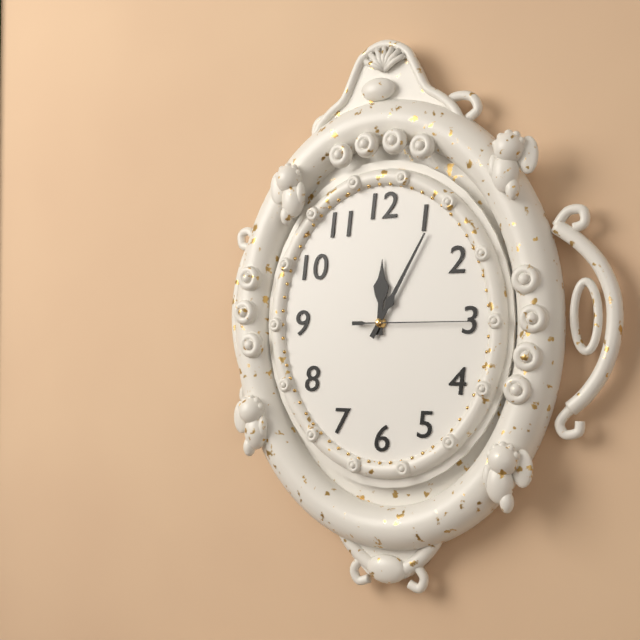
12:05:15
